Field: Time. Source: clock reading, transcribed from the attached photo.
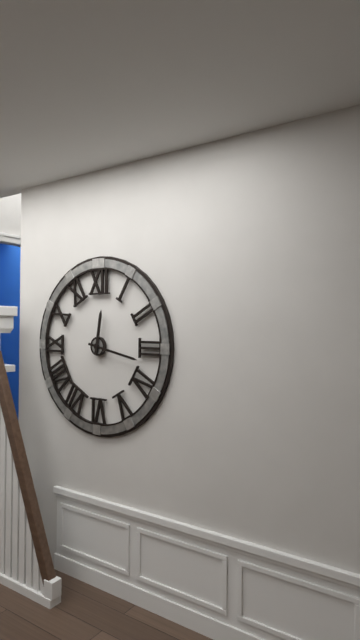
12:17
